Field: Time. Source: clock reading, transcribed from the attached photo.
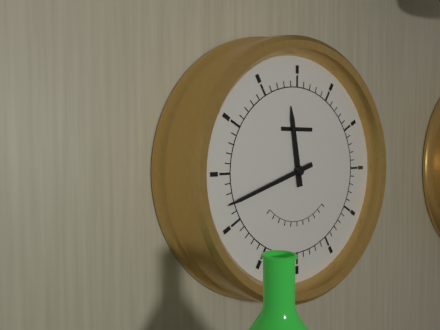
11:42
